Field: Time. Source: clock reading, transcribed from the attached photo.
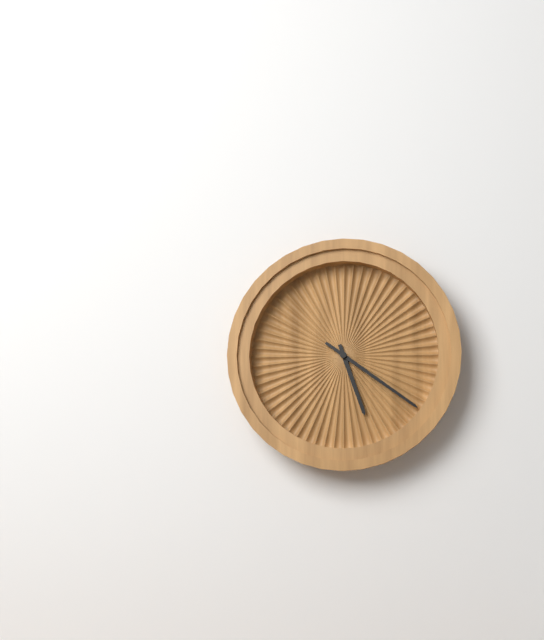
5:21
